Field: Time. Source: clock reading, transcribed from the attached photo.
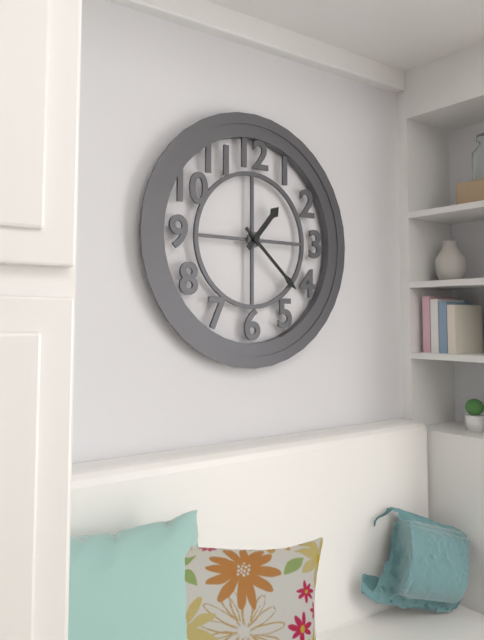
1:22
